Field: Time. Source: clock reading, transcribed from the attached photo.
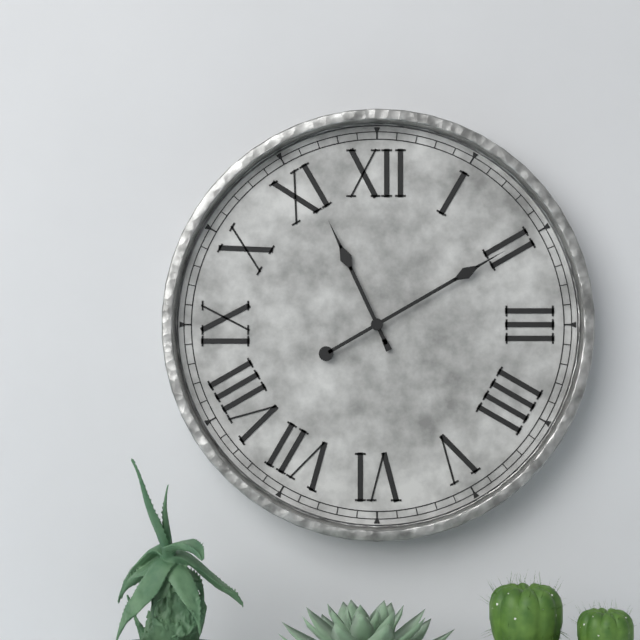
11:10
